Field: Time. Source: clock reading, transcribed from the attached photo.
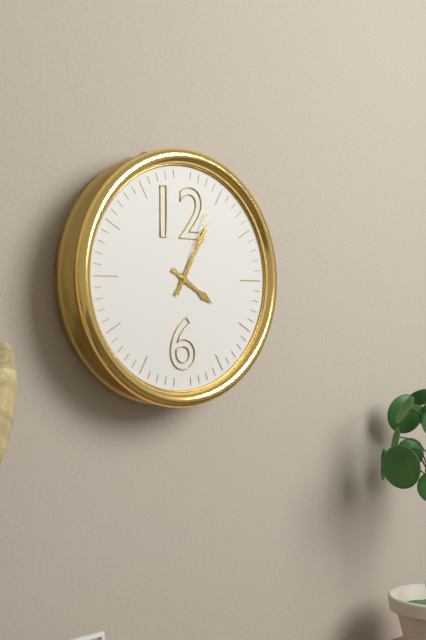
4:05:04
